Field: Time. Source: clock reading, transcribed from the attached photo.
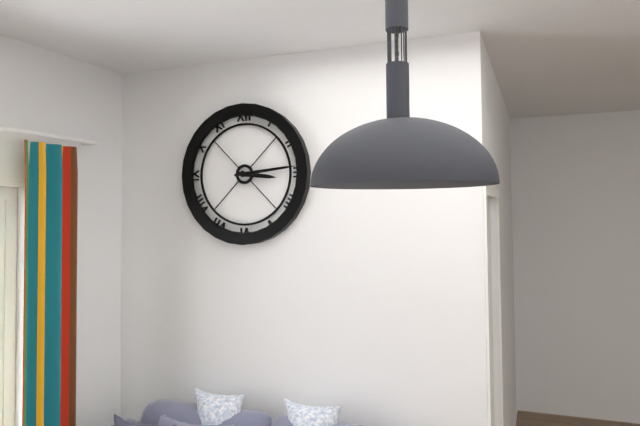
3:14
